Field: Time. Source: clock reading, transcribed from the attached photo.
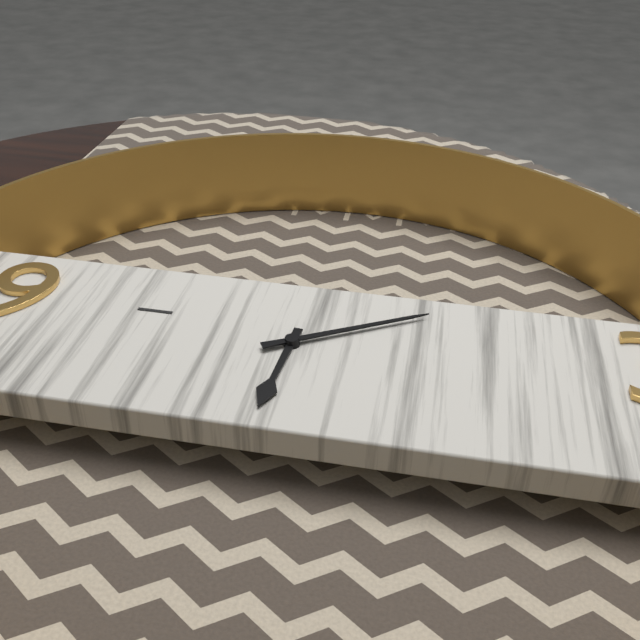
6:10
